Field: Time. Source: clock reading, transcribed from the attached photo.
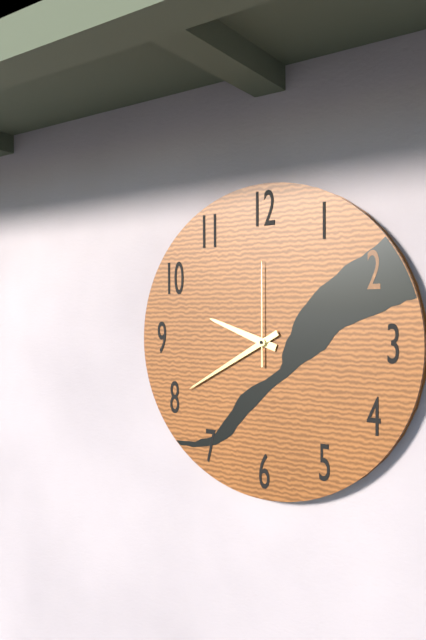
9:40:00
